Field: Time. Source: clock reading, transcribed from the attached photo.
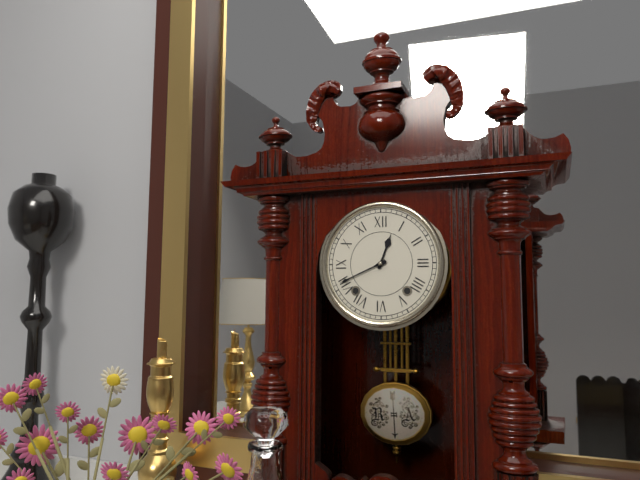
12:41
